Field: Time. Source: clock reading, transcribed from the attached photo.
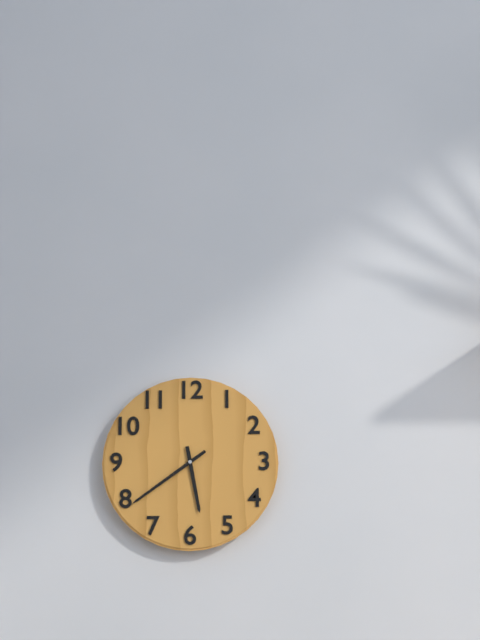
5:39
